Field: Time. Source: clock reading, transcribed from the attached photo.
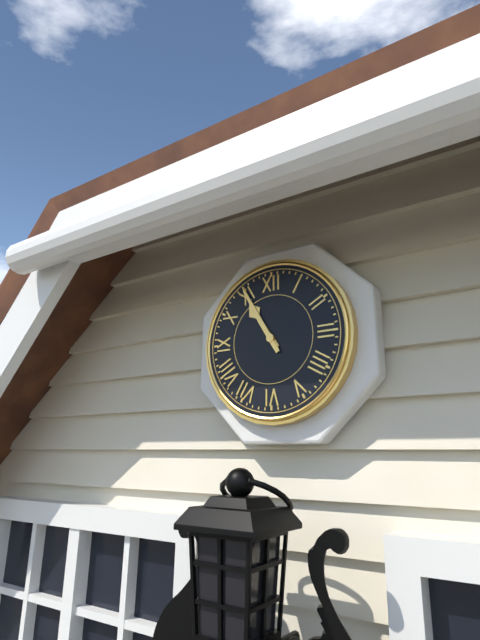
10:55
